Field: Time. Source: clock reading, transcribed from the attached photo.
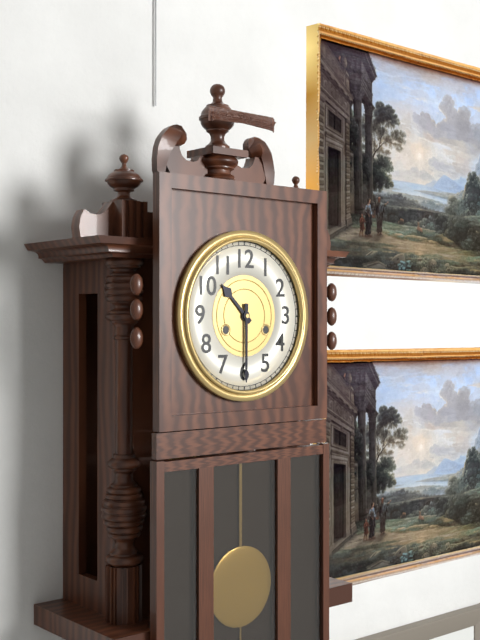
10:30
